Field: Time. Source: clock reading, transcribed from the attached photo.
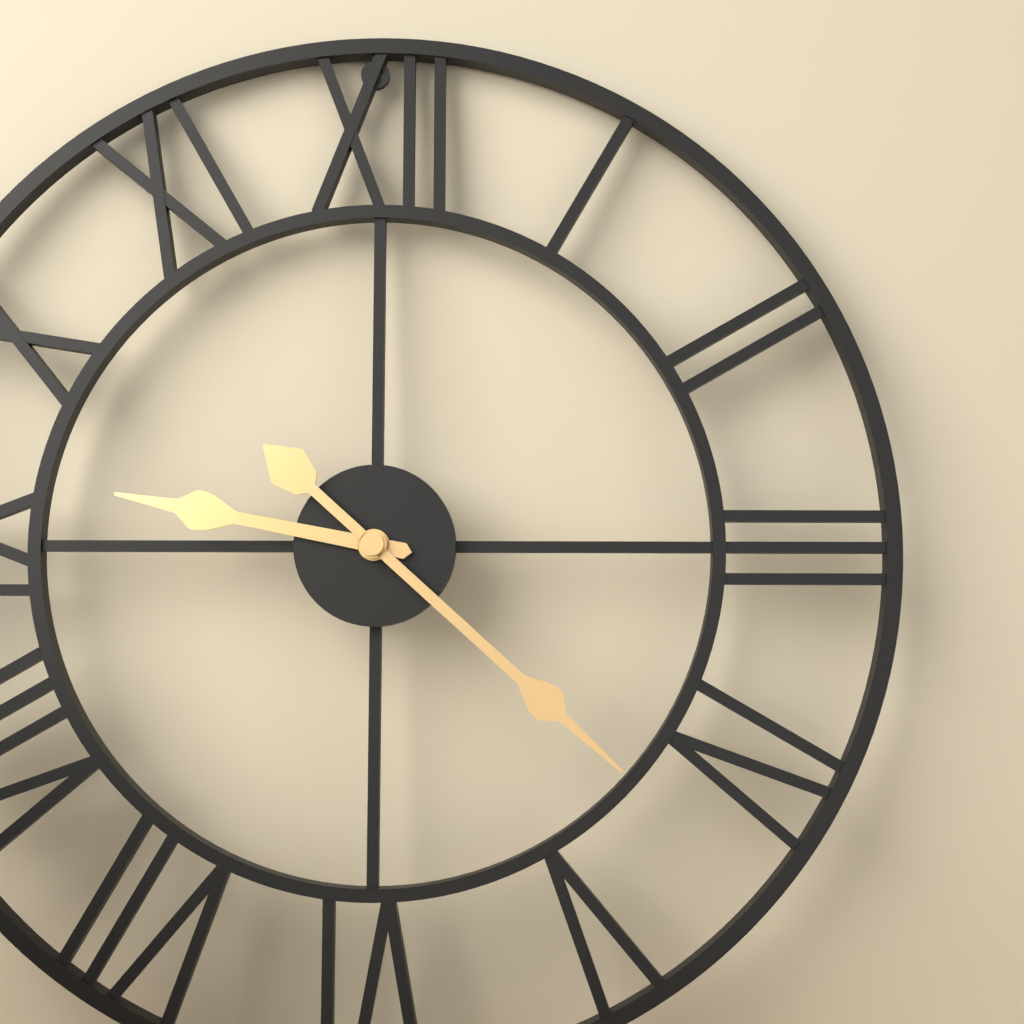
9:22
